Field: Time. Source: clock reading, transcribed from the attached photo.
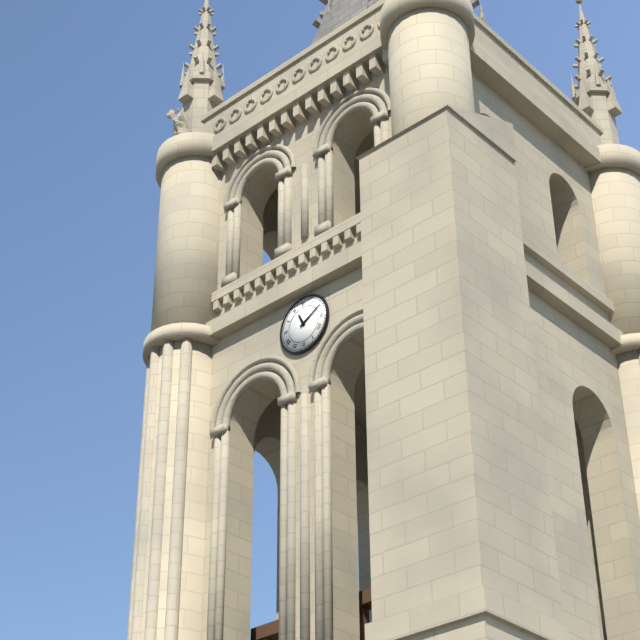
11:10
